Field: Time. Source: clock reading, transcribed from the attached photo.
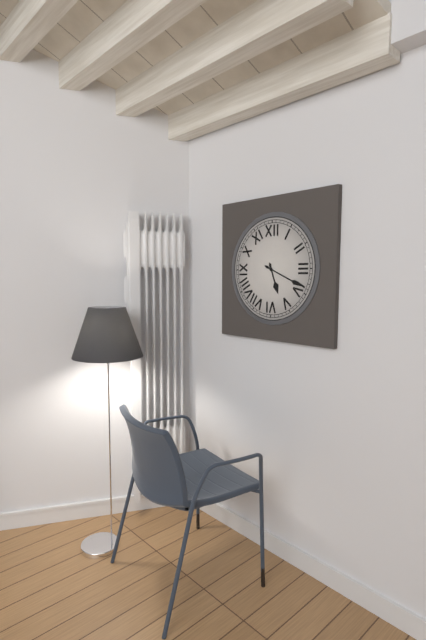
5:19
